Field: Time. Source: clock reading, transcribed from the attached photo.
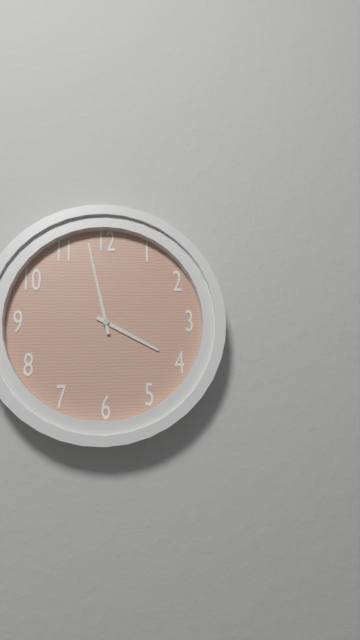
3:58
